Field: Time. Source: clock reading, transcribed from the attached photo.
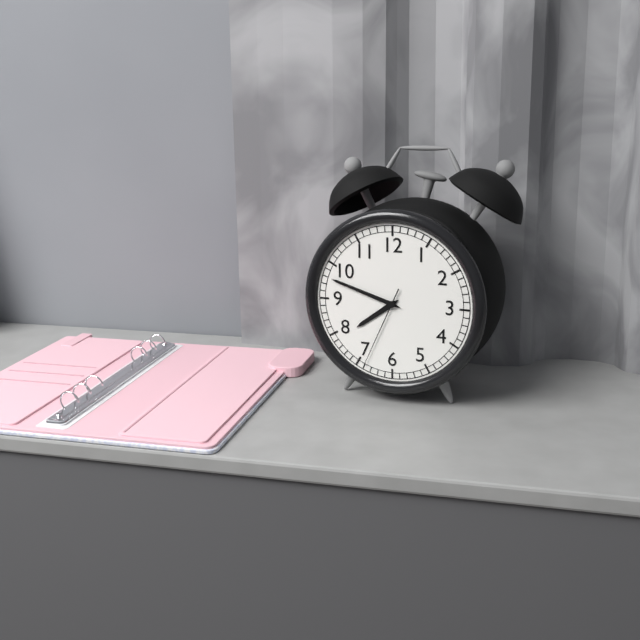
7:48:34
